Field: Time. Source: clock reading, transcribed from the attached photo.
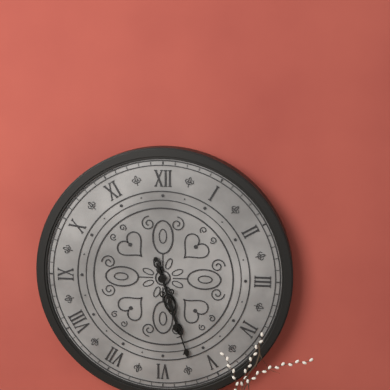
5:27
